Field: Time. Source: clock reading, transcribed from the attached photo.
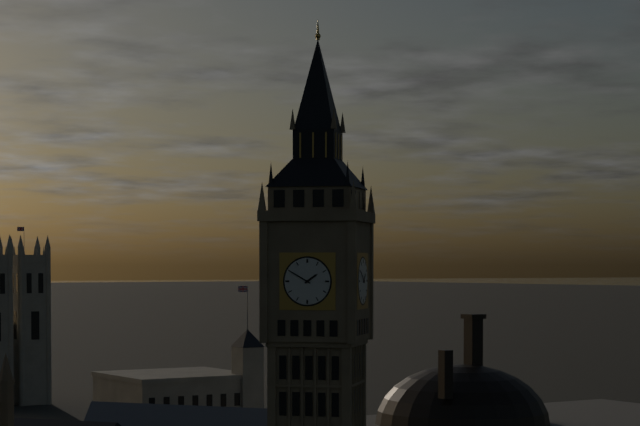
1:50
